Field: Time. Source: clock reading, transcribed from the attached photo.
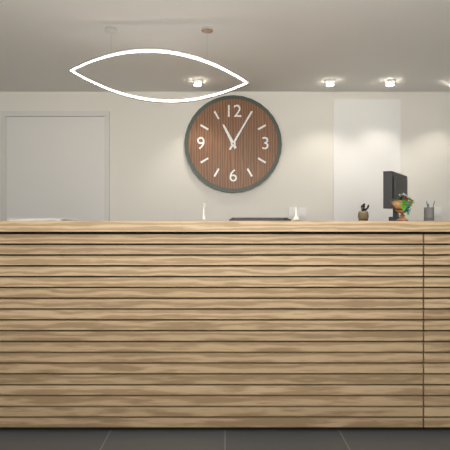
11:05
